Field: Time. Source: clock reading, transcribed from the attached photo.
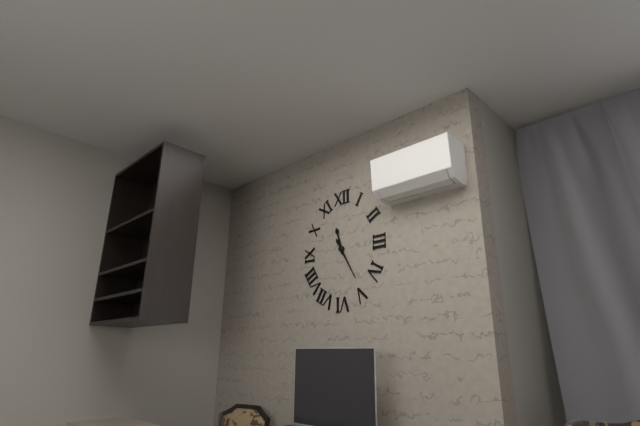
11:25
